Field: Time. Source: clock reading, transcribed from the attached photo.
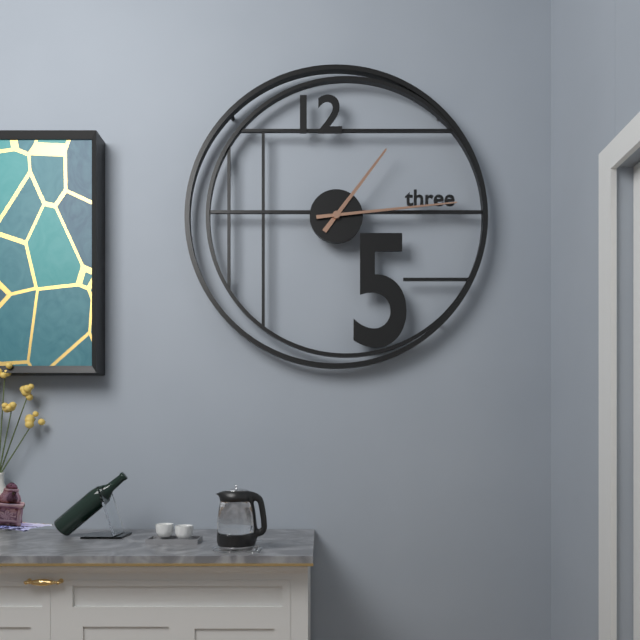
1:14
